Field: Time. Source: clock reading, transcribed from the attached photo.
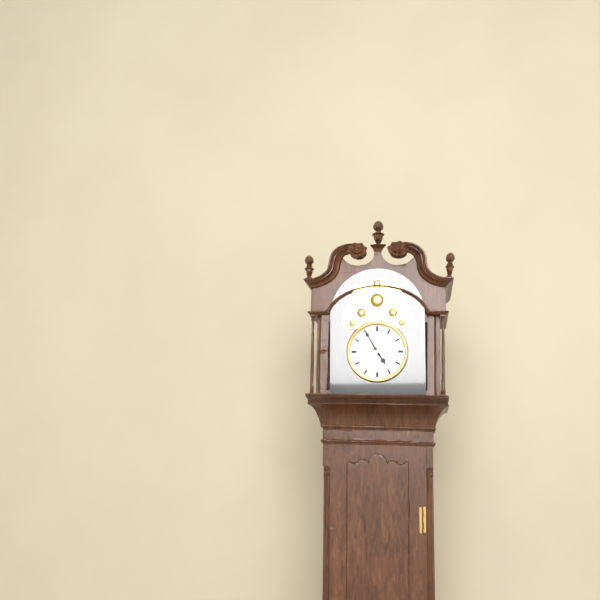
4:55
